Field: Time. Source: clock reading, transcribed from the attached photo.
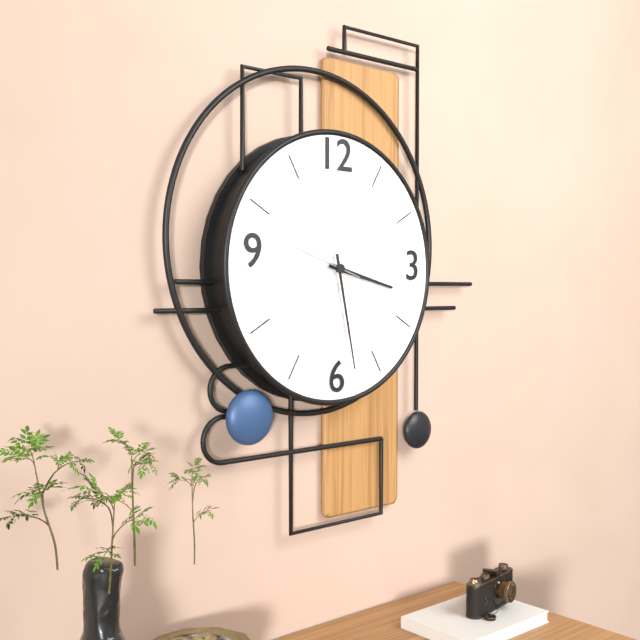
3:28:48
